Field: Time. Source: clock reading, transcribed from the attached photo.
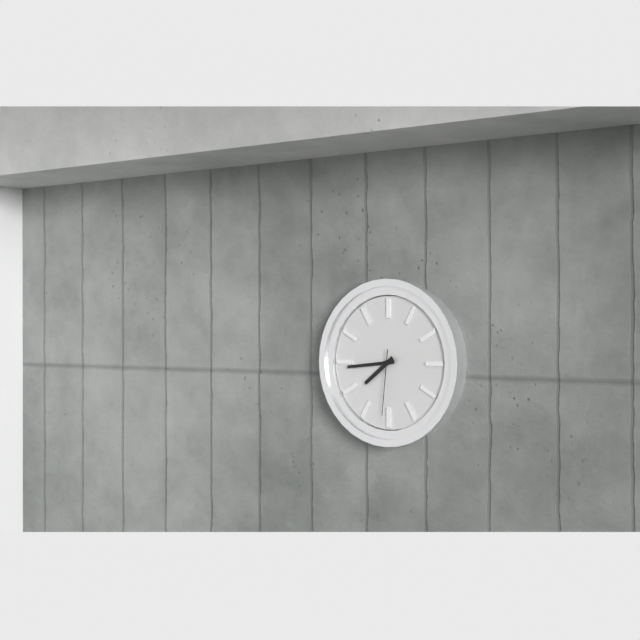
7:44:31
